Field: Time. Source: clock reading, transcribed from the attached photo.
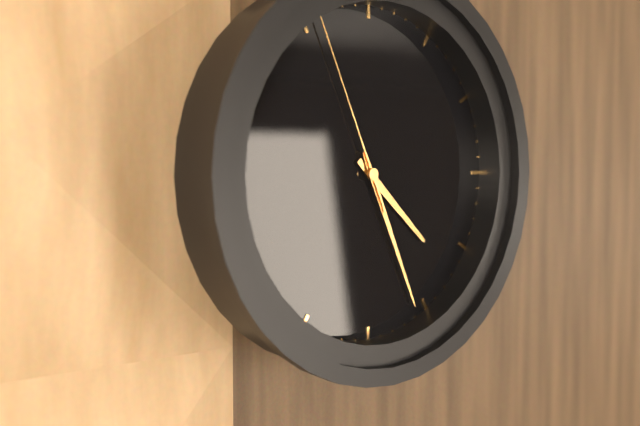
4:26:56
